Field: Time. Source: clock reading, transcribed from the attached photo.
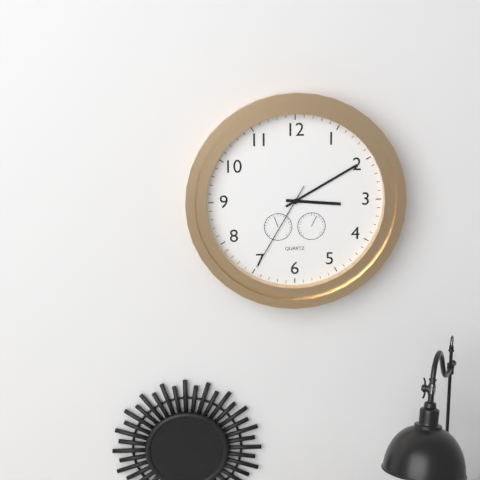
3:10:35
